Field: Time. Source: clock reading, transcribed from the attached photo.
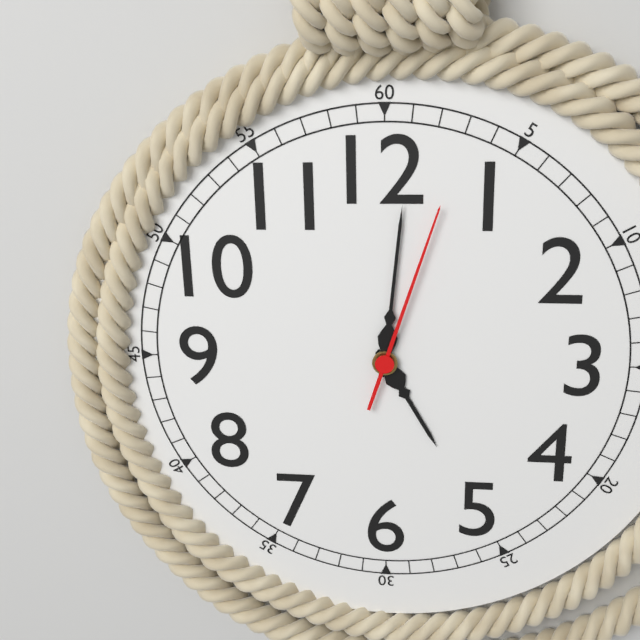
5:01:03
